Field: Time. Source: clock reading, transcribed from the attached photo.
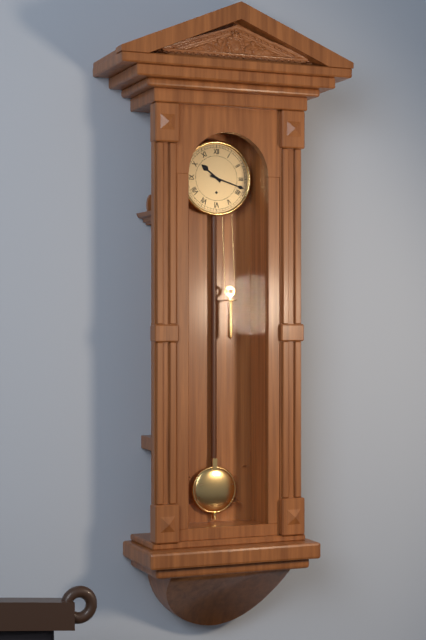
10:18
